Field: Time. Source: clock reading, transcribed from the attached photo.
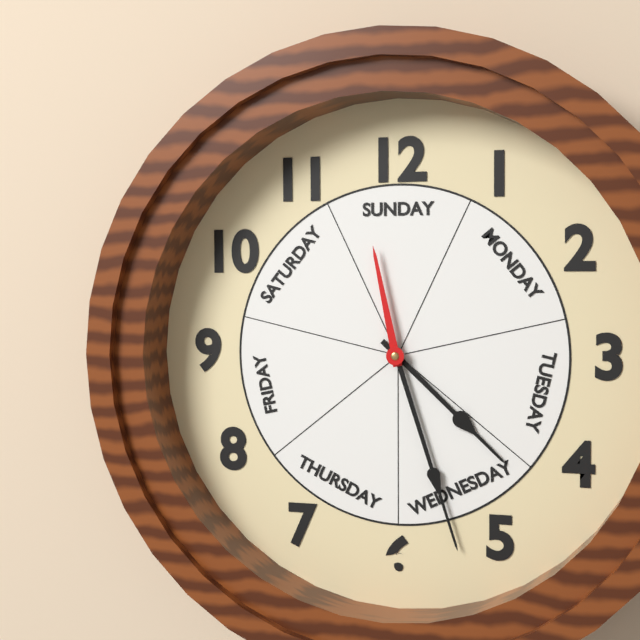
4:27:58
